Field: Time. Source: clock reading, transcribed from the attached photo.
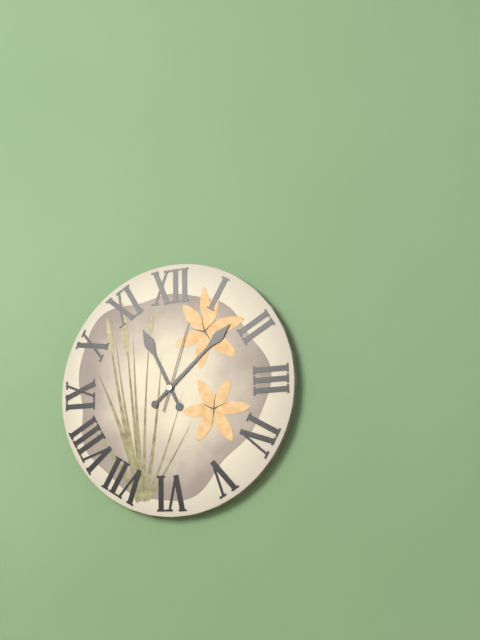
11:08:03
